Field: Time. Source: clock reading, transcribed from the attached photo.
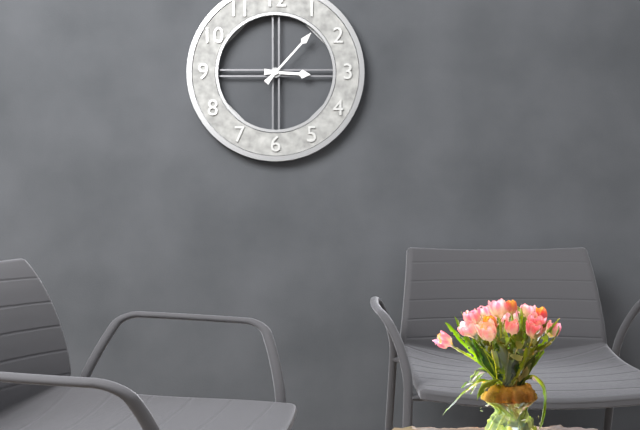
3:07
